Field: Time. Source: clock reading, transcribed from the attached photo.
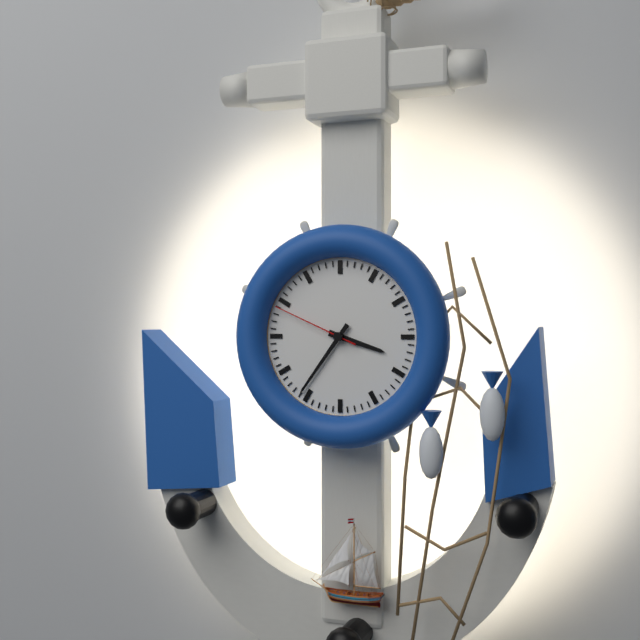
3:36:49
